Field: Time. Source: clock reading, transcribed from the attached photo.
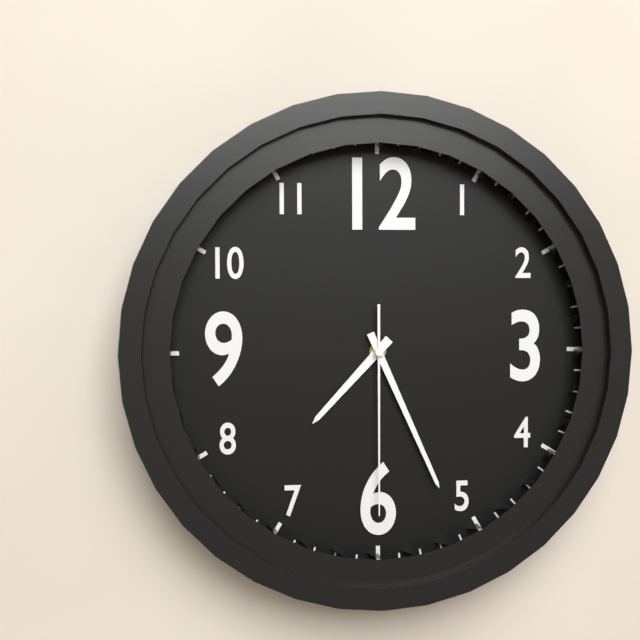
7:26:30
